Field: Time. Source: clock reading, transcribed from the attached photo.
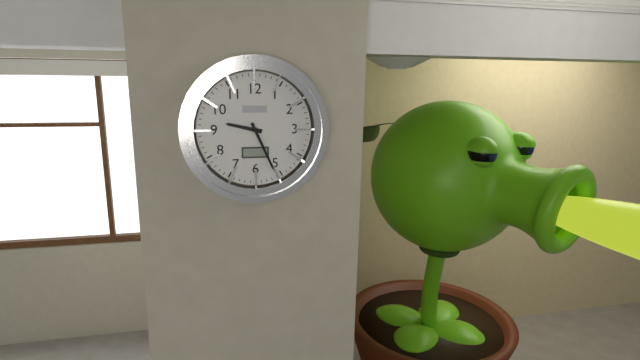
9:26
